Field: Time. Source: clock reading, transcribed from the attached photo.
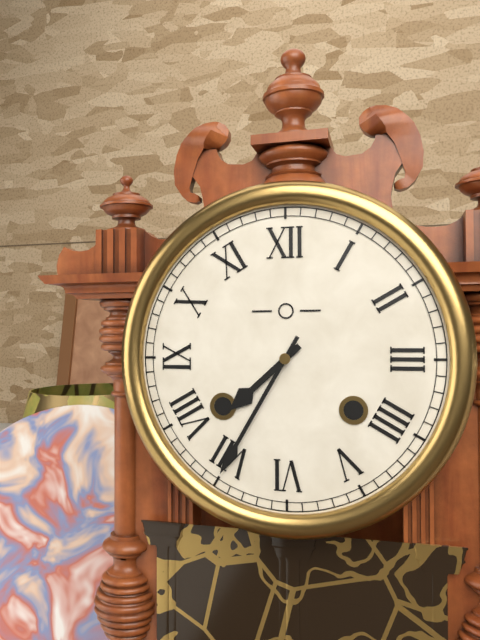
7:35
